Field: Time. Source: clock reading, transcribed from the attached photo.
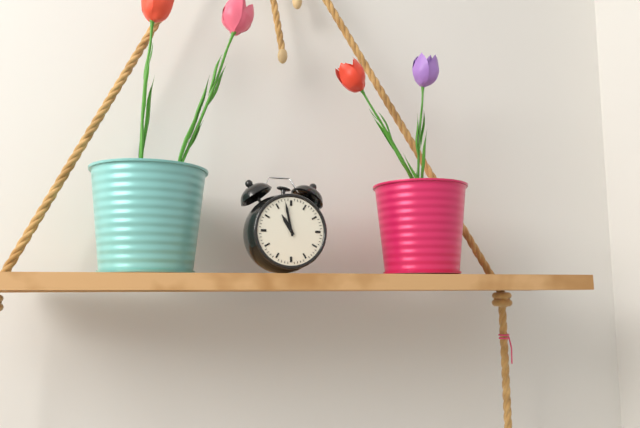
10:58
